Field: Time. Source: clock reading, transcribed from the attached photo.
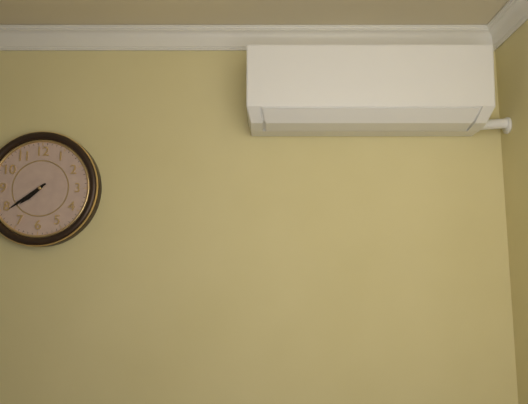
7:39
